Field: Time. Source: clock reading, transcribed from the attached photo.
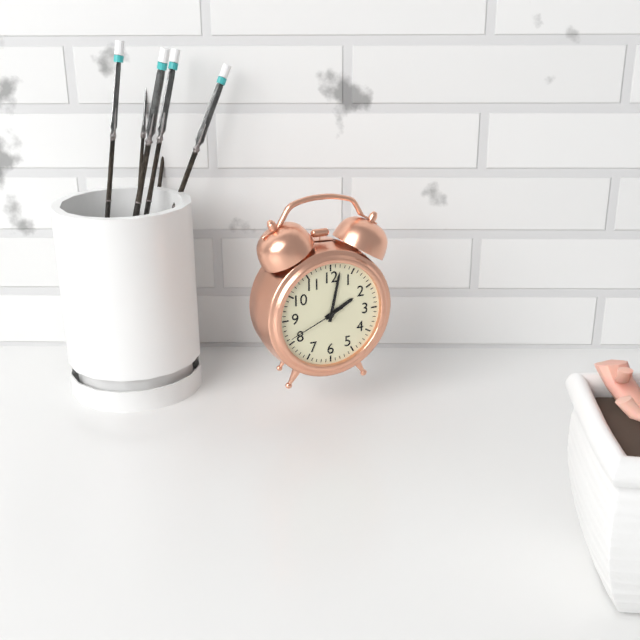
2:02:41
